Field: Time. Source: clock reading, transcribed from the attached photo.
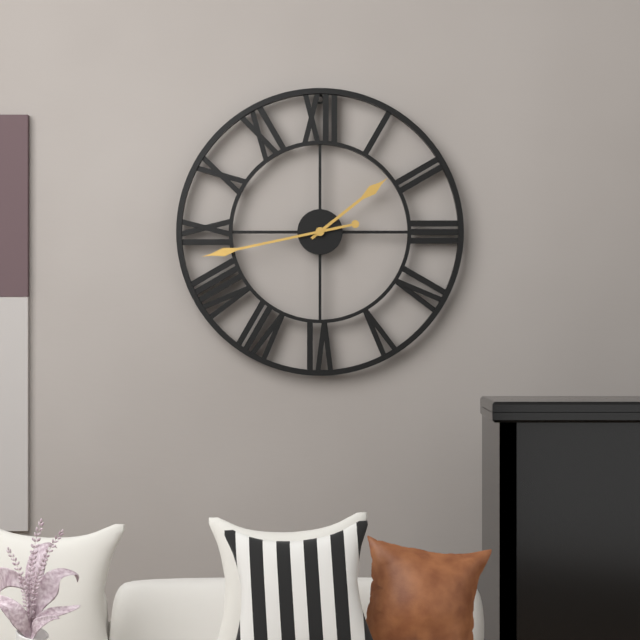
1:43
